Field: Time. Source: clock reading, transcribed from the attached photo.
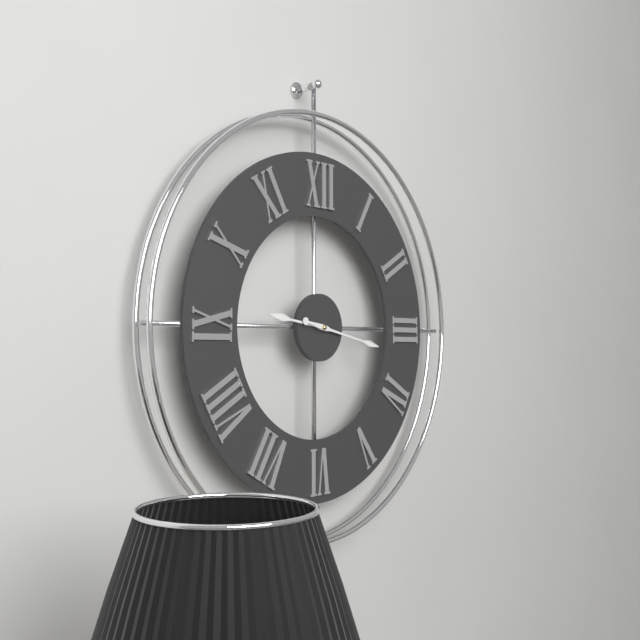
9:17
